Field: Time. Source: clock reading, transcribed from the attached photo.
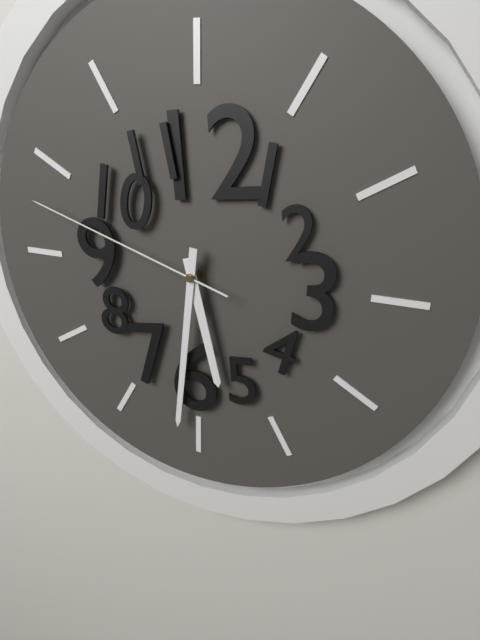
5:31:48
